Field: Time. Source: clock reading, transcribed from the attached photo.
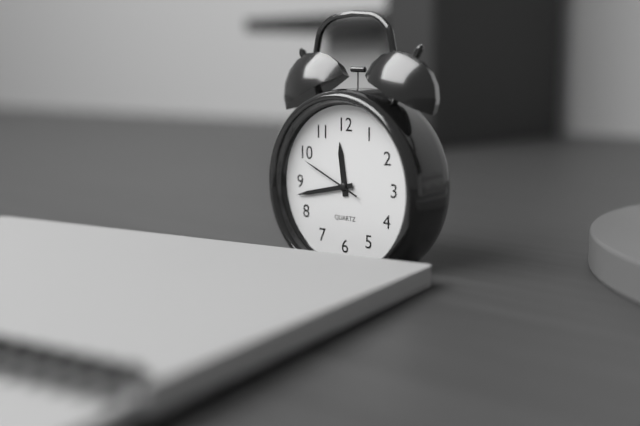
11:43:49
